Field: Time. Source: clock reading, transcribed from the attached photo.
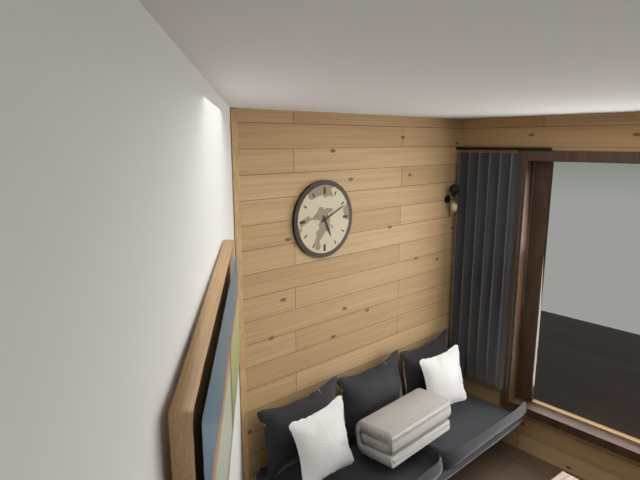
5:11
